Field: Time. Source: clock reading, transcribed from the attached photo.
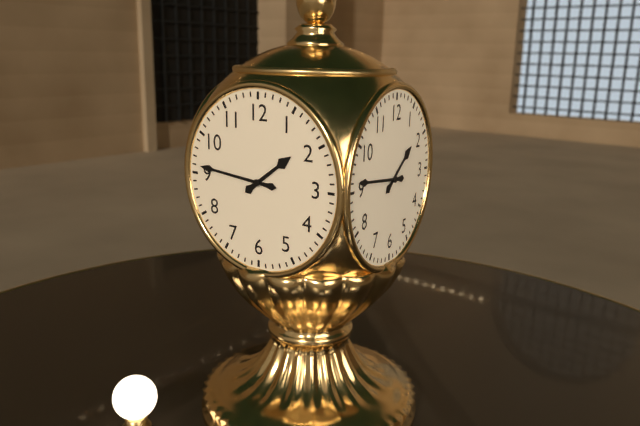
1:46
